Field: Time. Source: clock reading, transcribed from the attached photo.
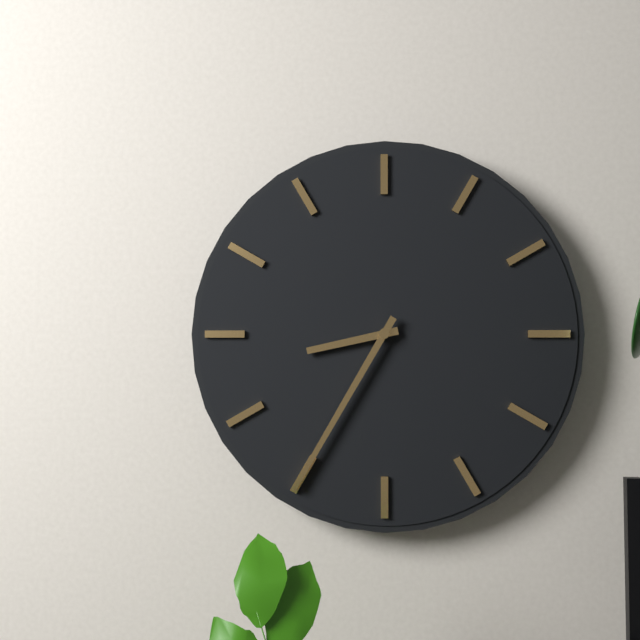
8:35
